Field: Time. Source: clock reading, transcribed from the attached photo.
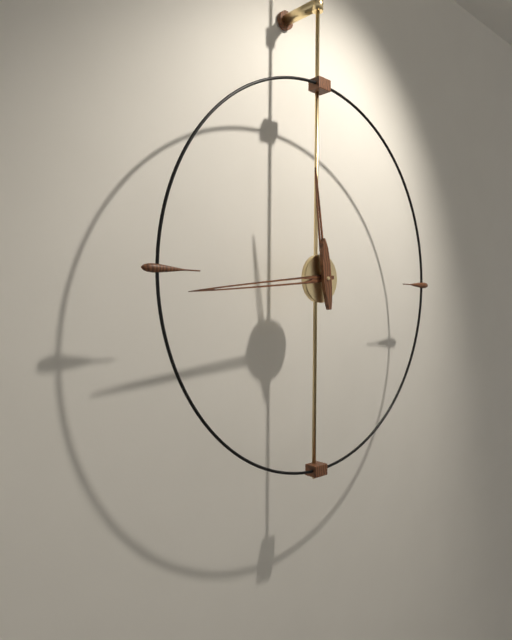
11:44
